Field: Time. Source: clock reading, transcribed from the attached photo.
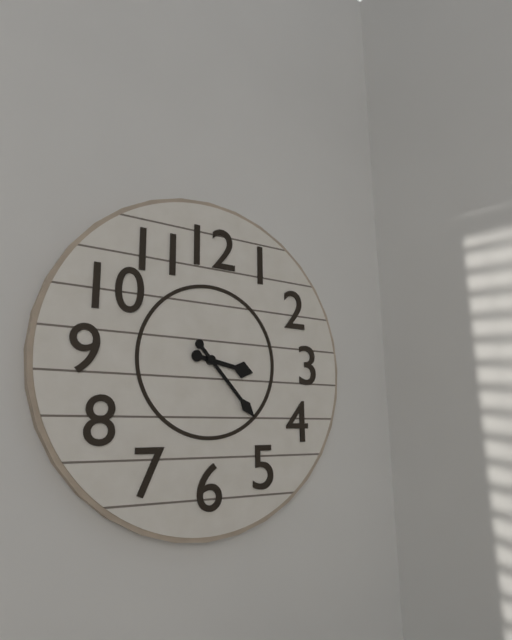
3:23
